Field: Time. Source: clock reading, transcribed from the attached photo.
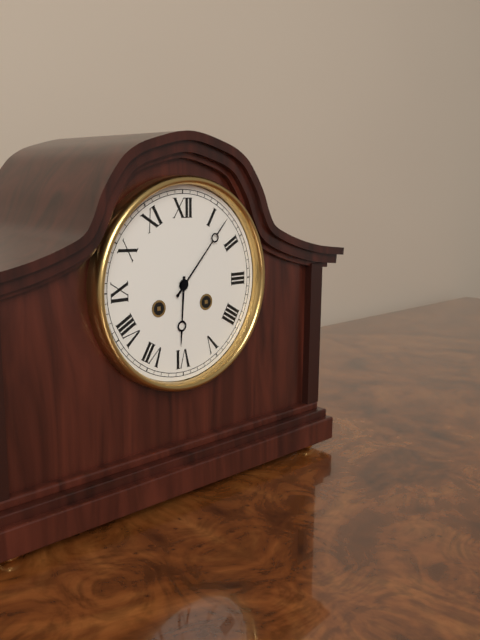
6:07
